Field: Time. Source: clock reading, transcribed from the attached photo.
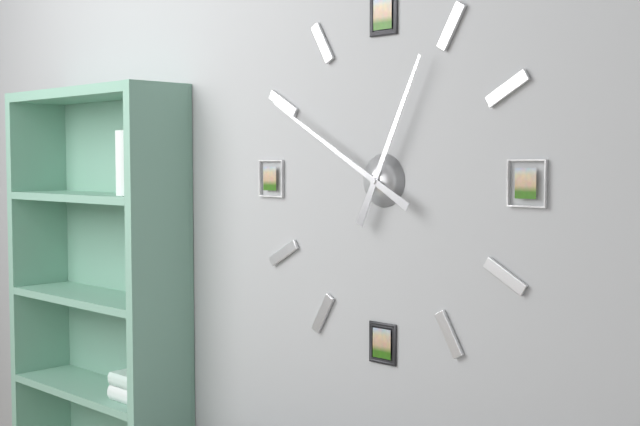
12:50
